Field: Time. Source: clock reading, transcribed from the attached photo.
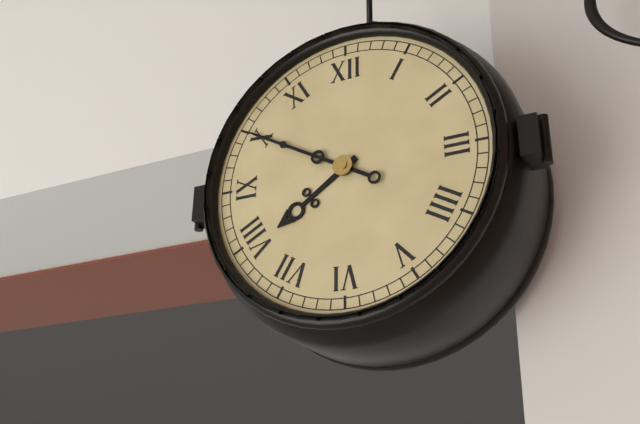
7:50
